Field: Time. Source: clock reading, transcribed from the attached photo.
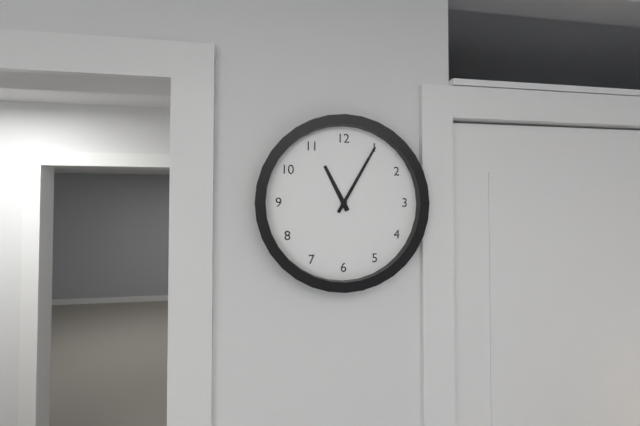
11:05
